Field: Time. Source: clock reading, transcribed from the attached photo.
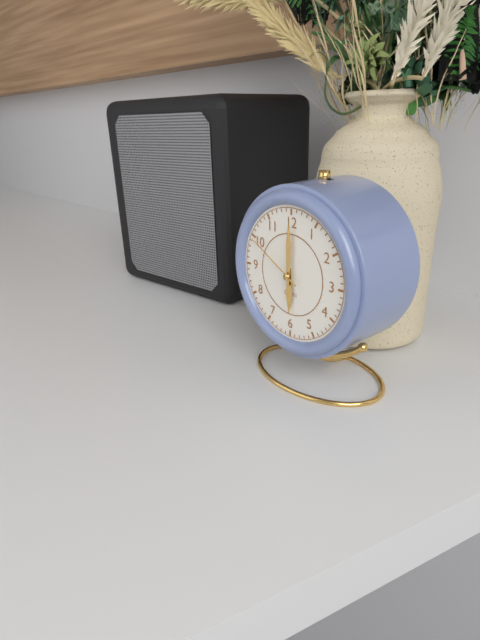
6:00:50
